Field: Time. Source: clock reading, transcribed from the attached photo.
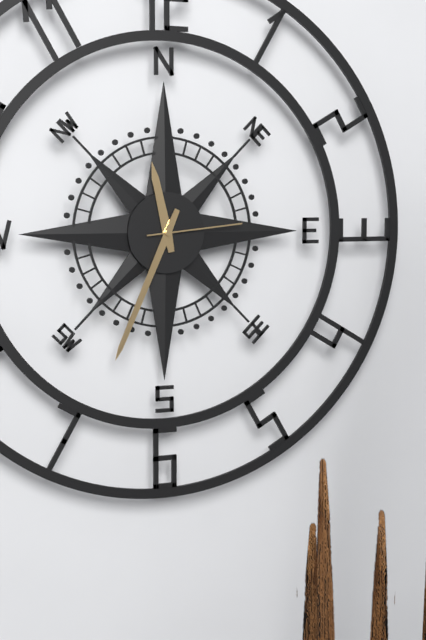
11:34:14
